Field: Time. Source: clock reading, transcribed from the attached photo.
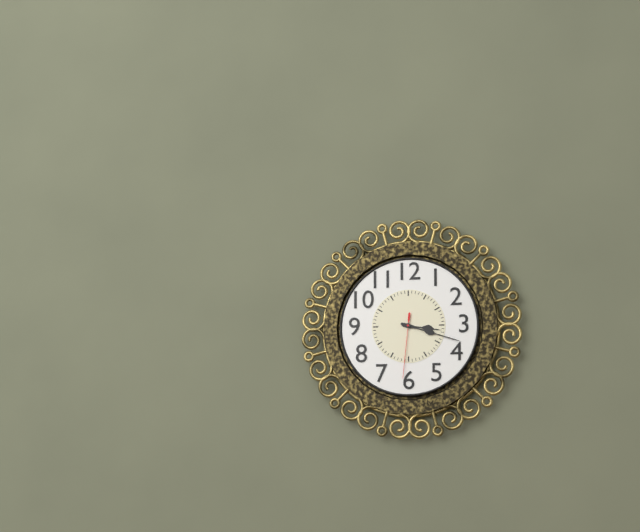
3:18:31
